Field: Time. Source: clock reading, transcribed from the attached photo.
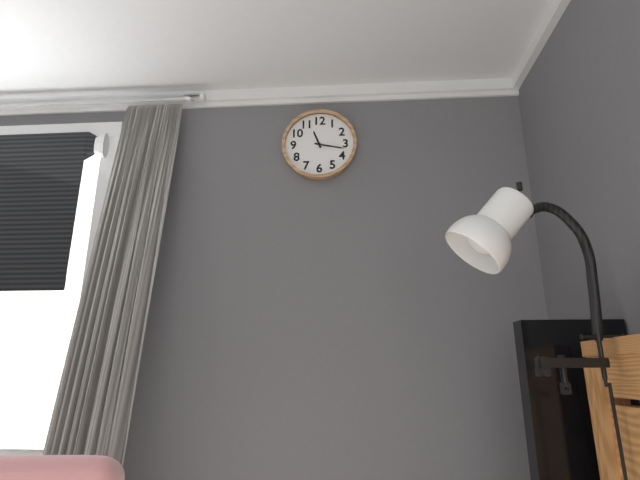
11:17
